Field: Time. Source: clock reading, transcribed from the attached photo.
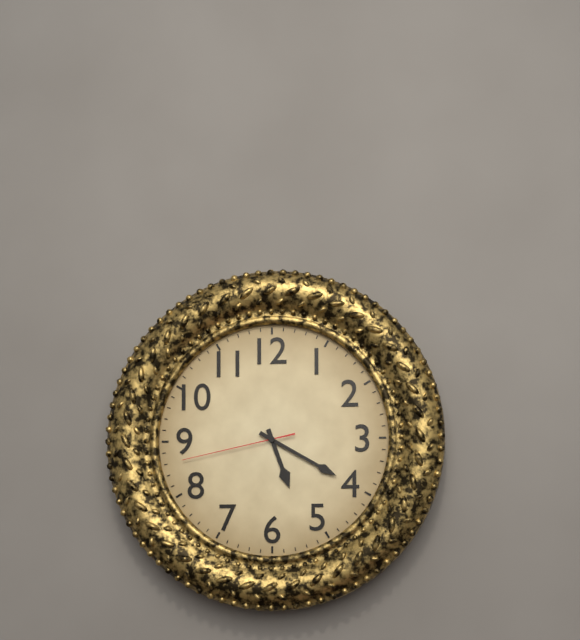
5:20:43
